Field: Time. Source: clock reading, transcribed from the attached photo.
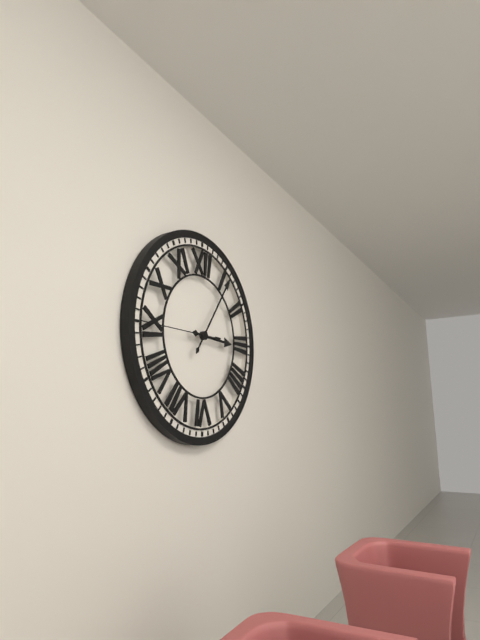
3:06:45
